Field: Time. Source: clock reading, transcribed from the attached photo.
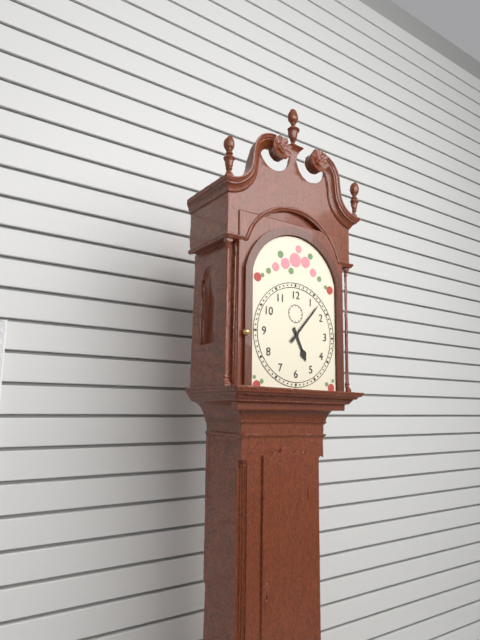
5:07
